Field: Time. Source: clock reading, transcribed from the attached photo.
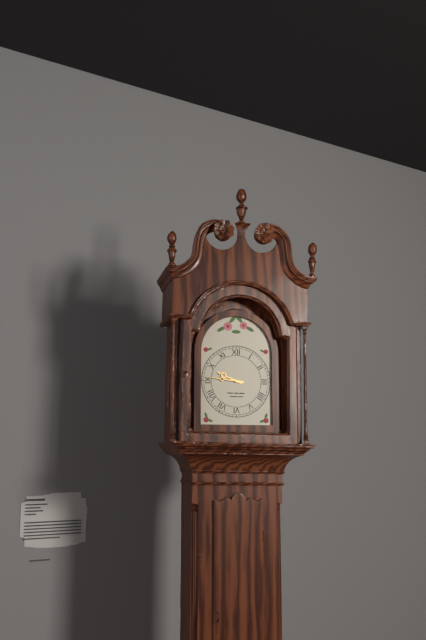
9:46
